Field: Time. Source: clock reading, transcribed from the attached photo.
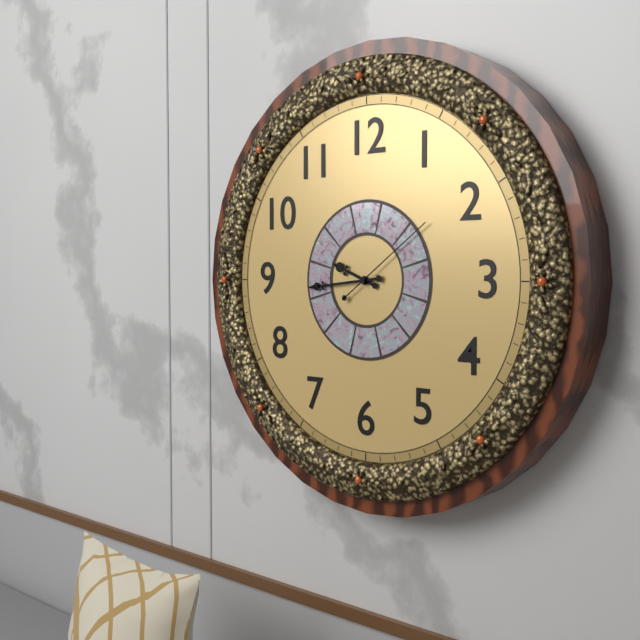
9:44:09
